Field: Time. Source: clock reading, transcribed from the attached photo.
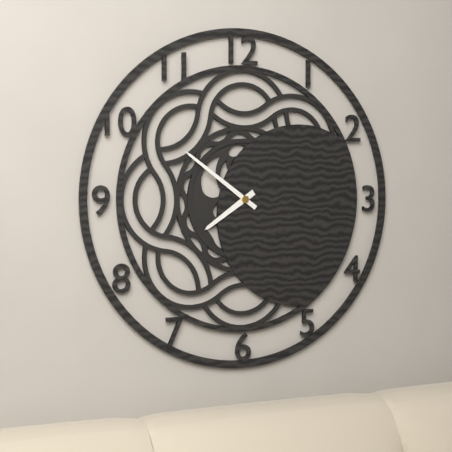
7:51
